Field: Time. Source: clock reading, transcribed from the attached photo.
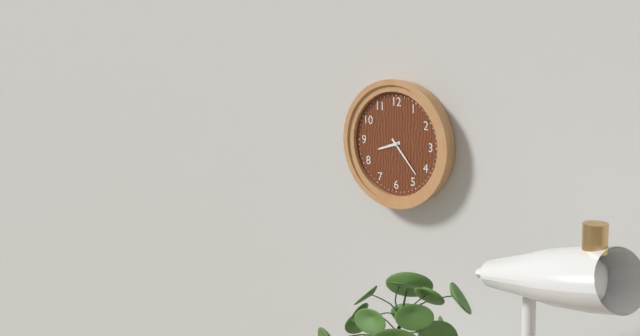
8:23
